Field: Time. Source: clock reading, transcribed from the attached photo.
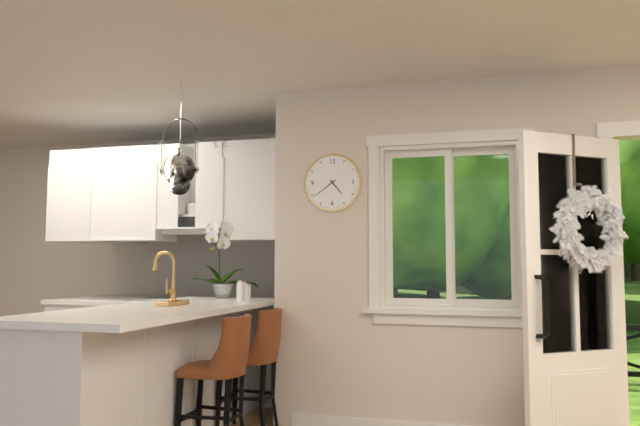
4:39
